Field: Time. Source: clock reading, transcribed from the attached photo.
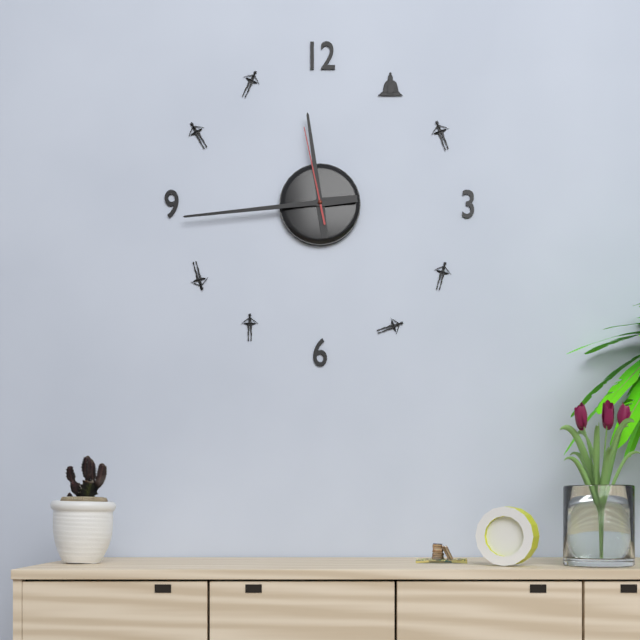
11:44:58
